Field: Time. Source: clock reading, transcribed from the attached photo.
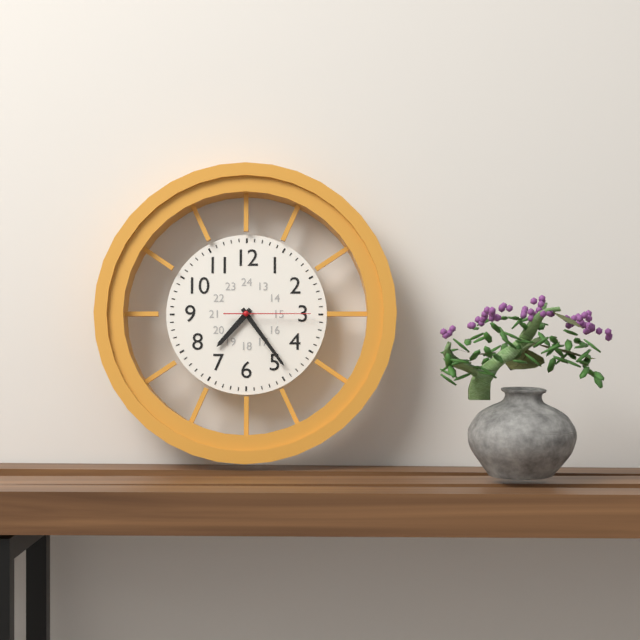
7:24:15
